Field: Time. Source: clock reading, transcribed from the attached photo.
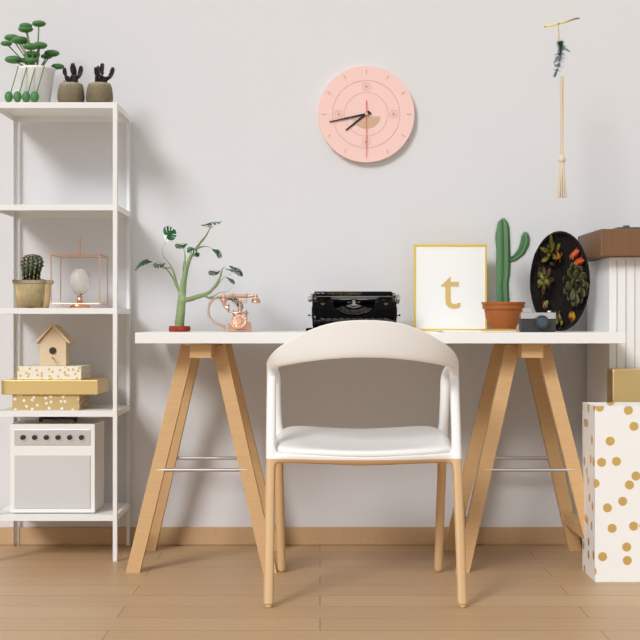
7:43
